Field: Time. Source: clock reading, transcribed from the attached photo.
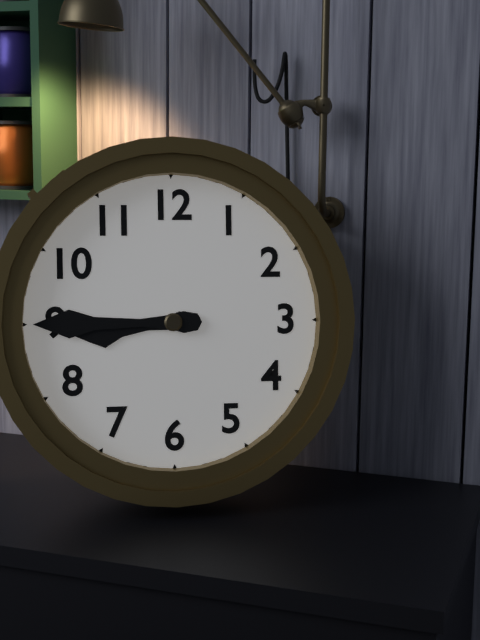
8:45
